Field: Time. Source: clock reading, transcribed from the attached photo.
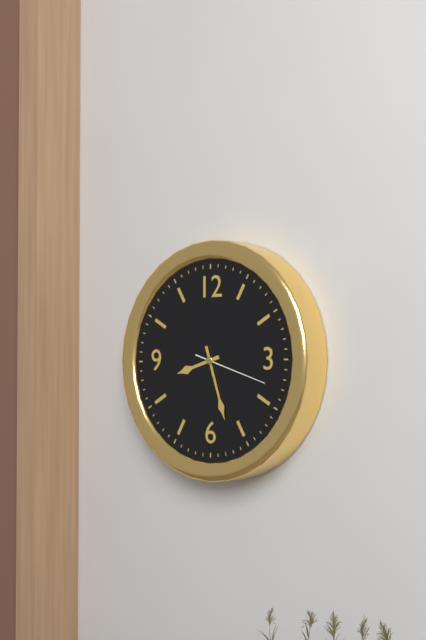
8:27:18
